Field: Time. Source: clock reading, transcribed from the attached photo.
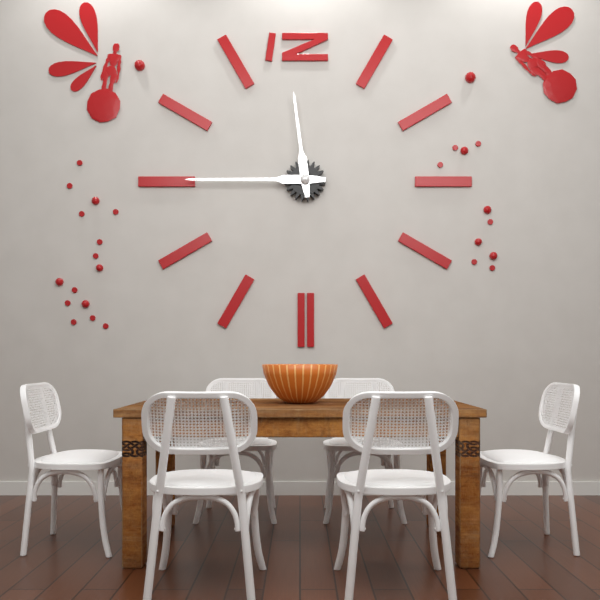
11:45
